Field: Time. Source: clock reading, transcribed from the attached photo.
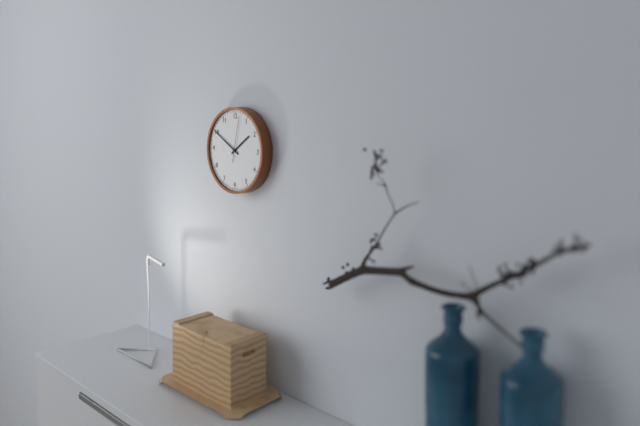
1:50
